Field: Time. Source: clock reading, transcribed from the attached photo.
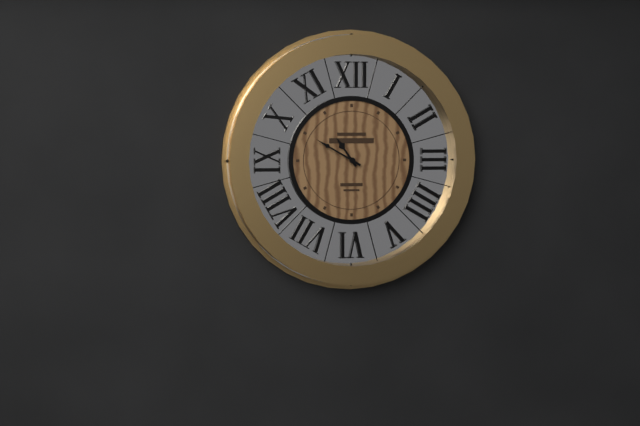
10:50
